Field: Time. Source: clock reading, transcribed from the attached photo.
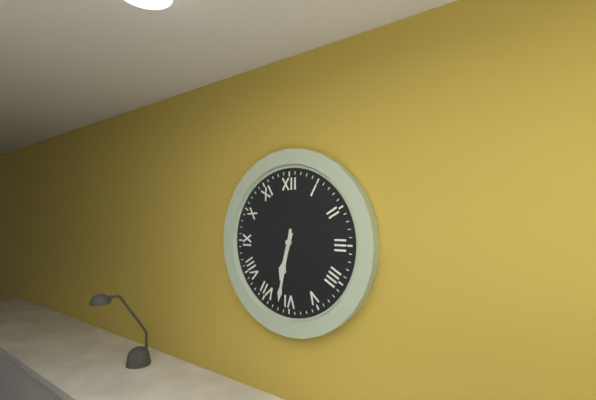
6:32
